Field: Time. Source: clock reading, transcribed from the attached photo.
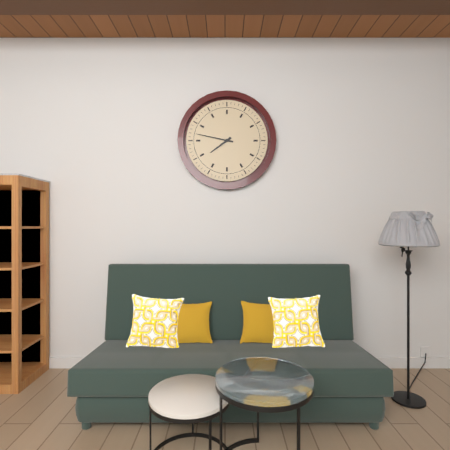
7:47
